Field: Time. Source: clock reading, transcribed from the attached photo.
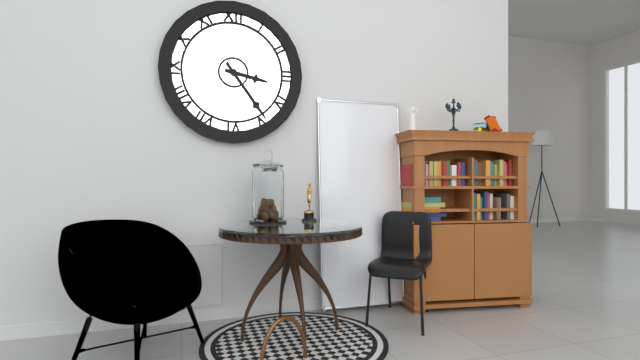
3:24
